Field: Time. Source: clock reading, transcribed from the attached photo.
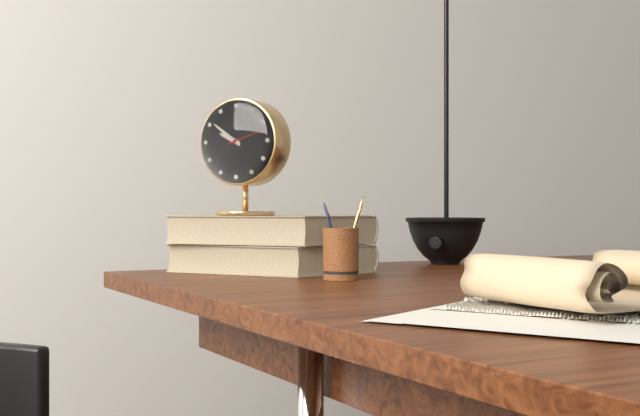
9:51
